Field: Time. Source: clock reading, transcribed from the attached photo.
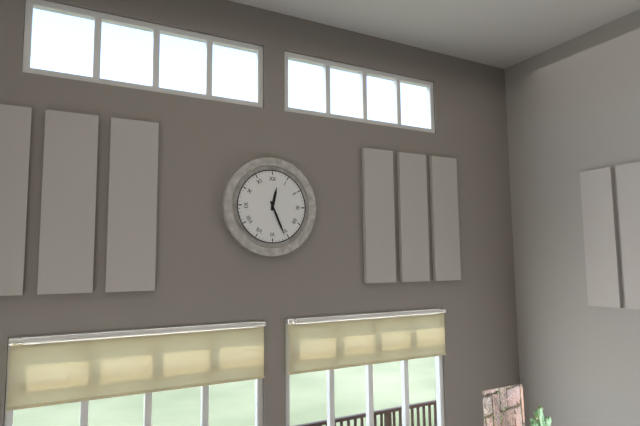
12:26
